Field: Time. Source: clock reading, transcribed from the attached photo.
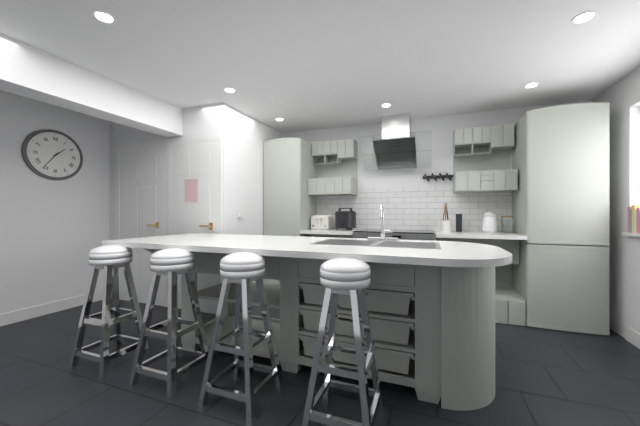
1:36
